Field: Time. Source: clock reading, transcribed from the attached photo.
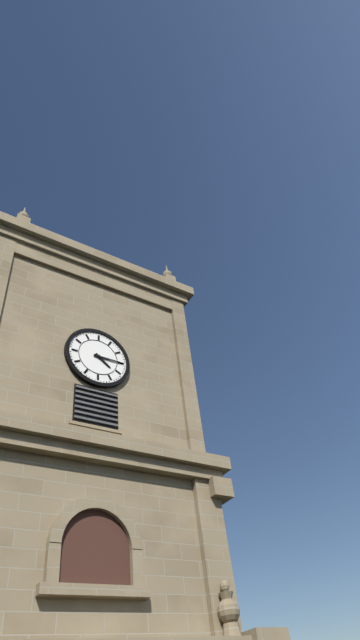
4:15
